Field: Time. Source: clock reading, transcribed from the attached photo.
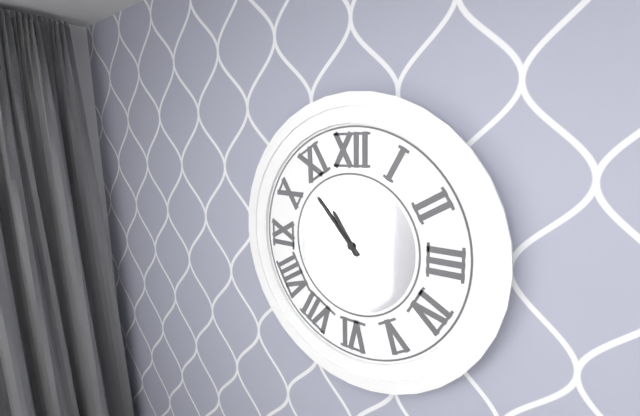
10:53
